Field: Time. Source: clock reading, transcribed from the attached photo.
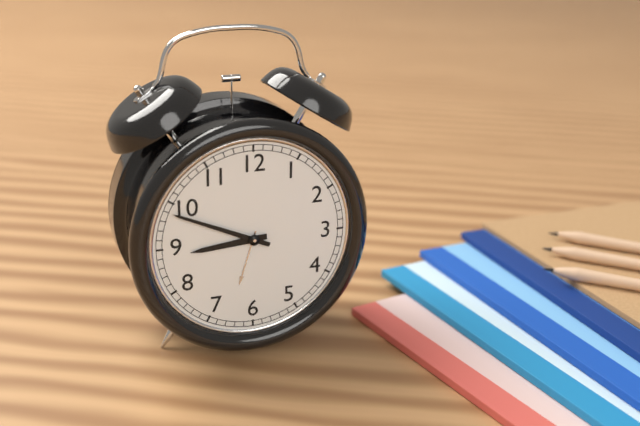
8:49
